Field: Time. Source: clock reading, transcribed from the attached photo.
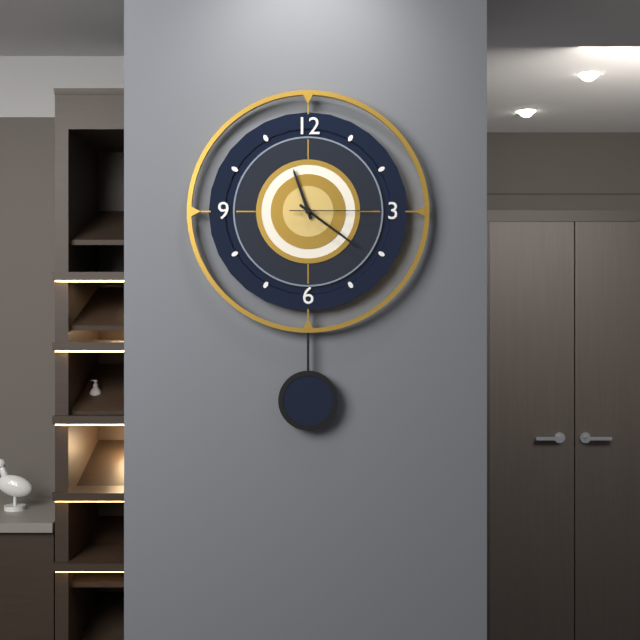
11:21:15
